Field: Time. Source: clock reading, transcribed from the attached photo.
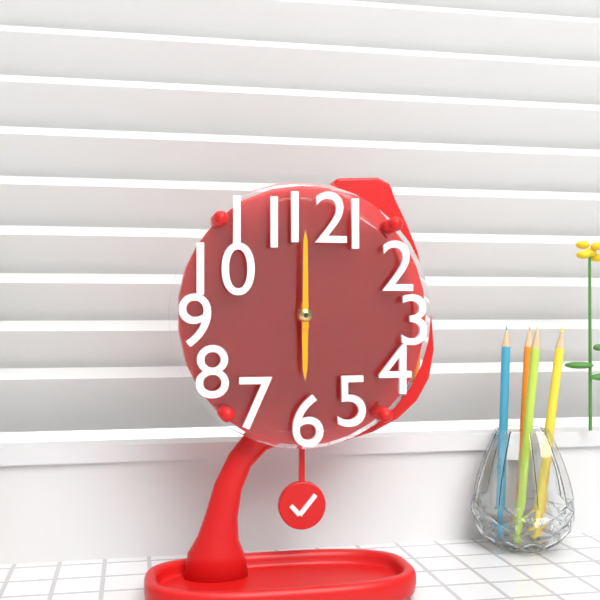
6:00
